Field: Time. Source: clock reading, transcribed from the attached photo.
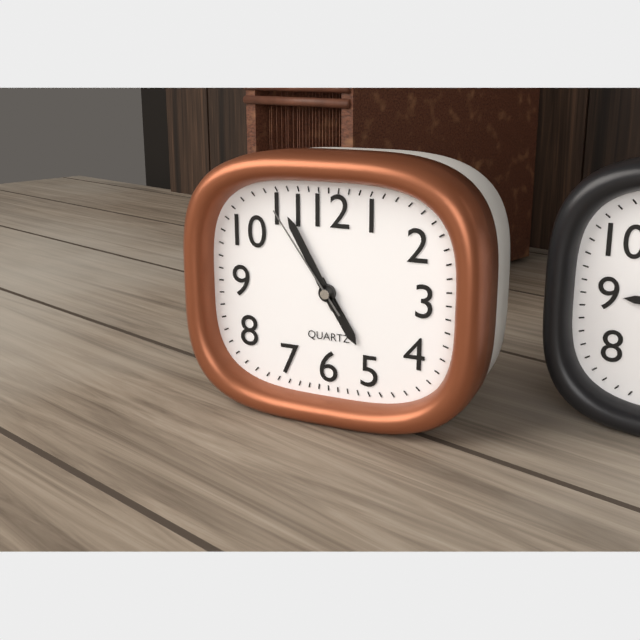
4:55:54
